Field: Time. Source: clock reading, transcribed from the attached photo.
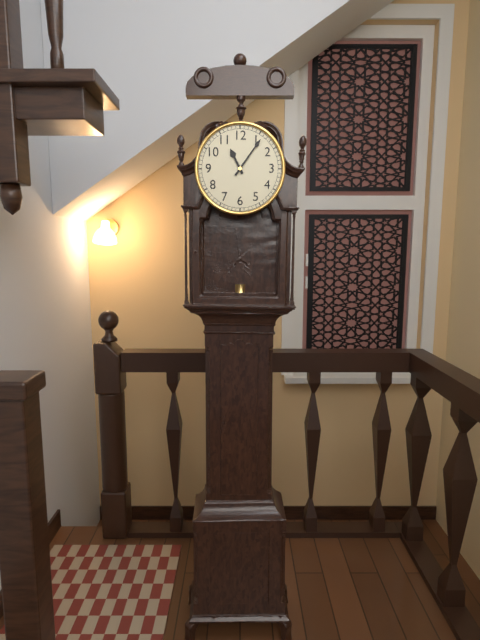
11:06
